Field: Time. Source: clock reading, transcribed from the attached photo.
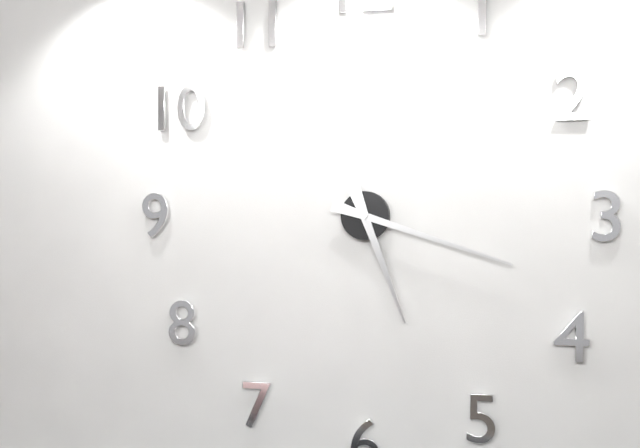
5:18
